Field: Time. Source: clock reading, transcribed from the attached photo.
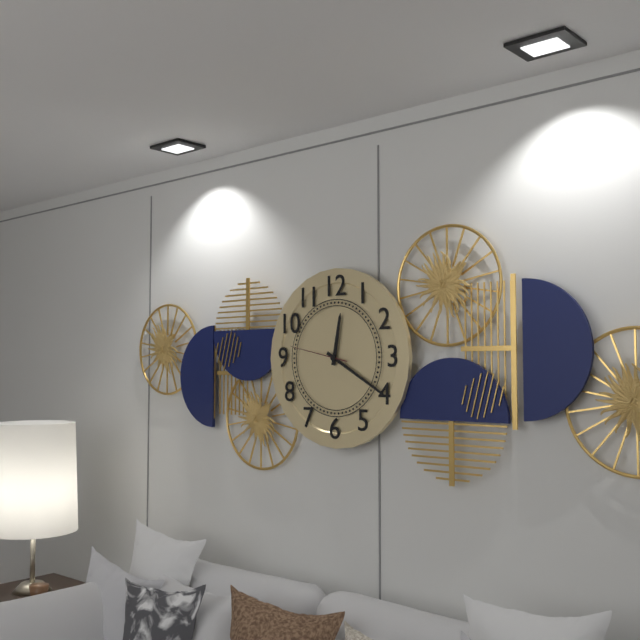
12:20:47
